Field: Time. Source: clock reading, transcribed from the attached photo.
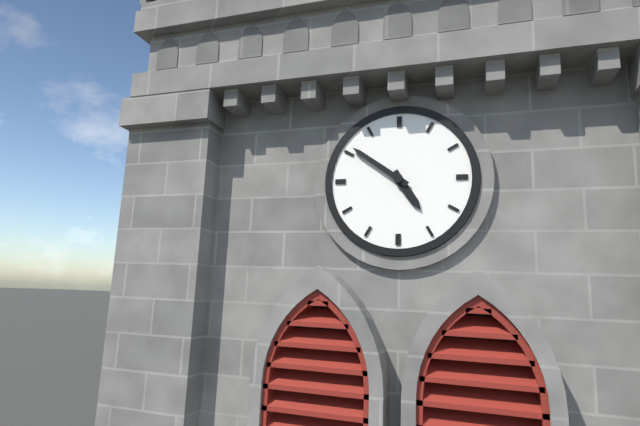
4:51
